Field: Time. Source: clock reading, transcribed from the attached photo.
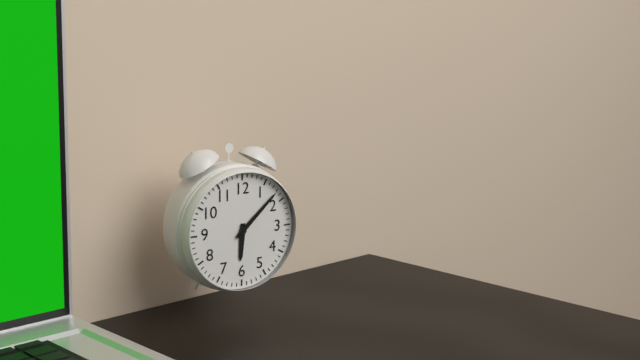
6:08
